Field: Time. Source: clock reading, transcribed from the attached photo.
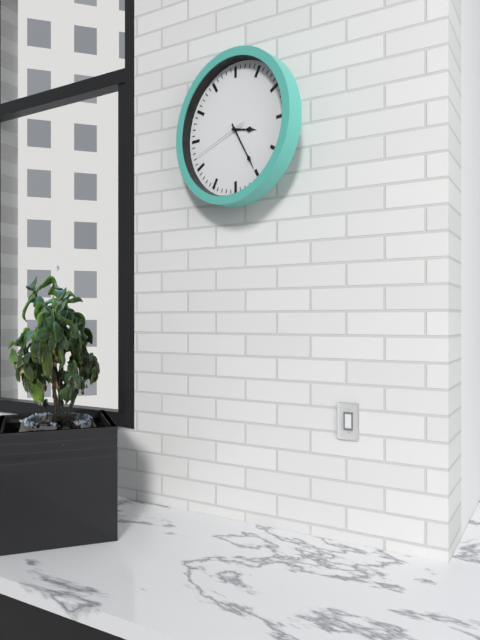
3:25:42
